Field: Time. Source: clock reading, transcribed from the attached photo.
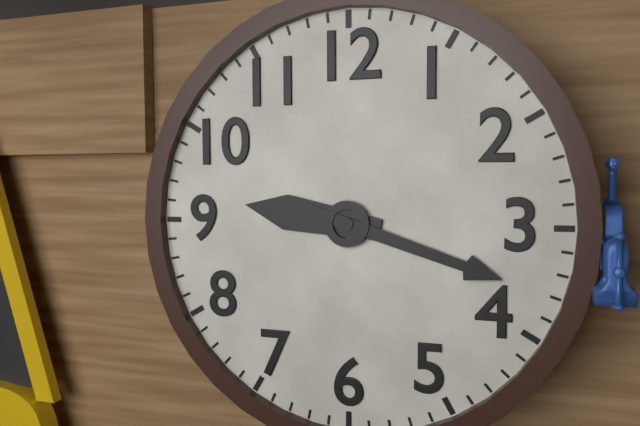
9:18
